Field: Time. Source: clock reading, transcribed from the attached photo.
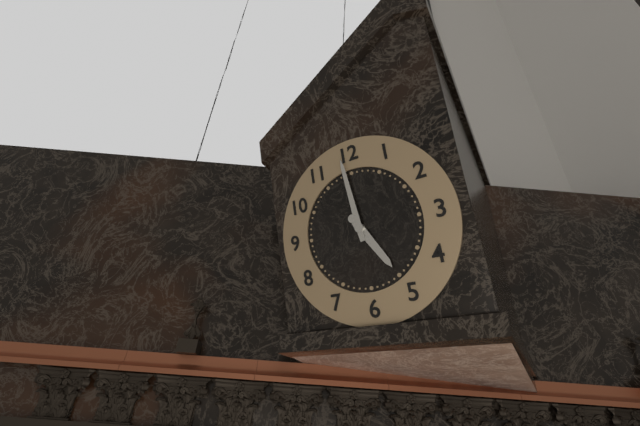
4:59
